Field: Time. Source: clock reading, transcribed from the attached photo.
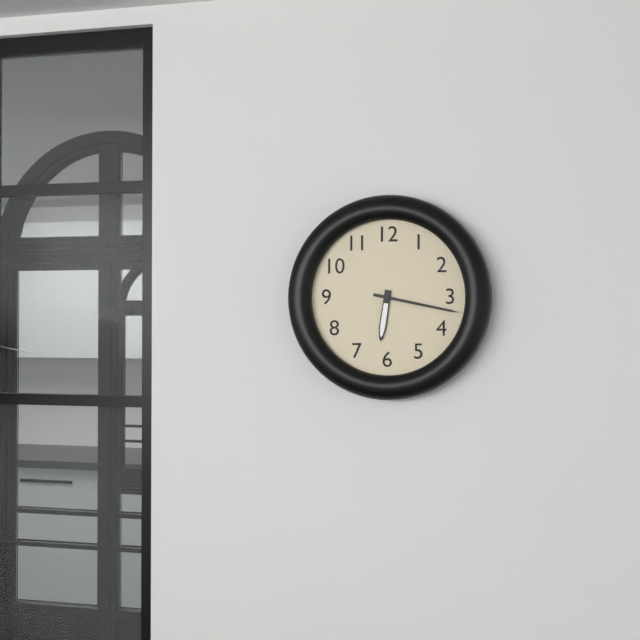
6:17
